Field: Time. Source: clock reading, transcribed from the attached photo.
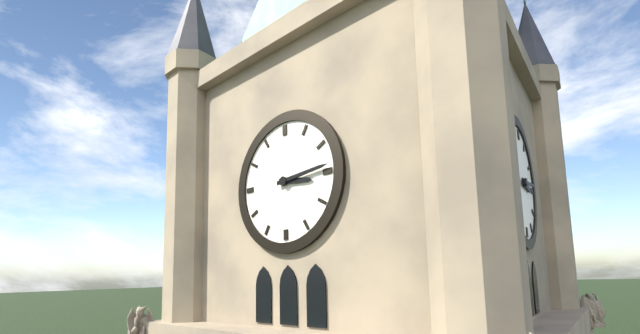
3:14
